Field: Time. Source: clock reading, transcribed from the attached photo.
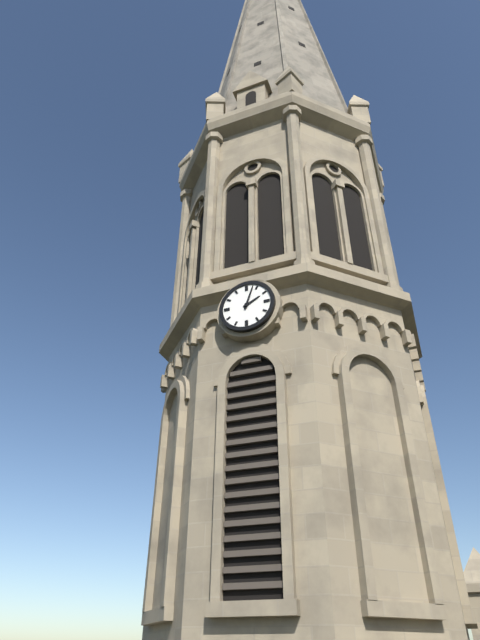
2:03
